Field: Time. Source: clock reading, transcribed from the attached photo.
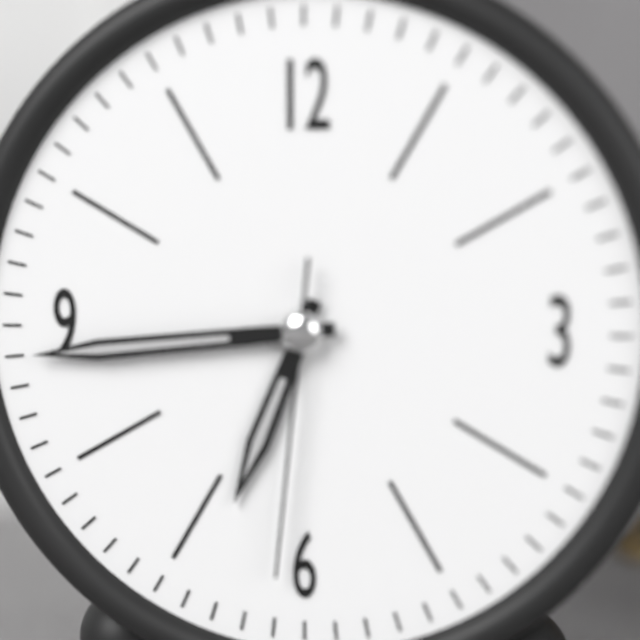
6:44:31
